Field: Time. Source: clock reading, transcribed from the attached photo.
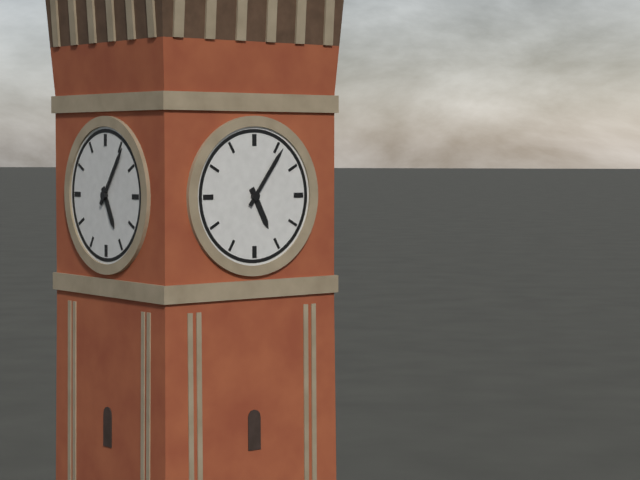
5:06
